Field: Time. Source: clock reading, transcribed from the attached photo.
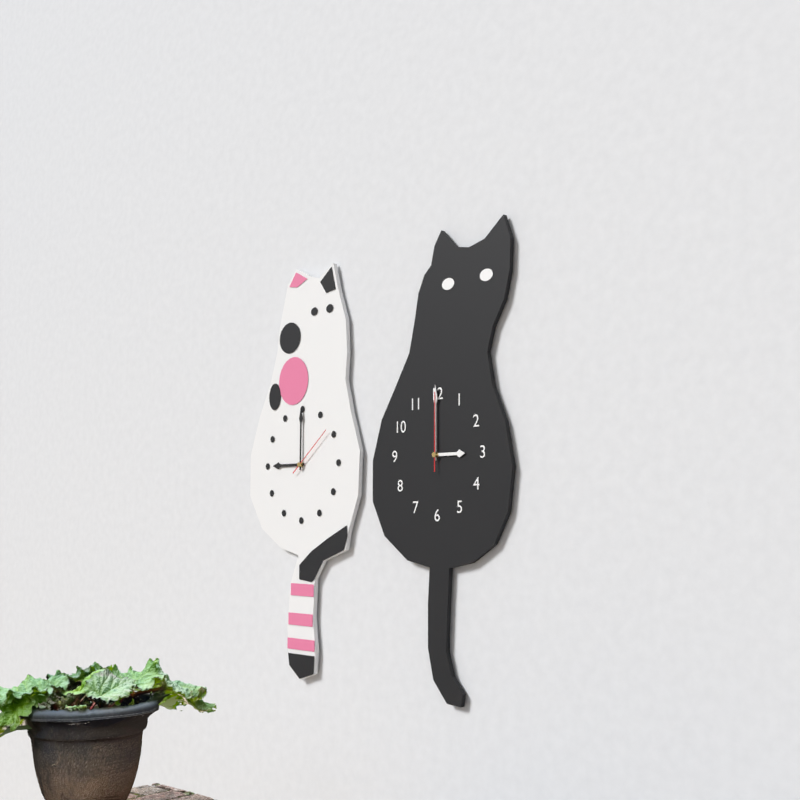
3:00:00
